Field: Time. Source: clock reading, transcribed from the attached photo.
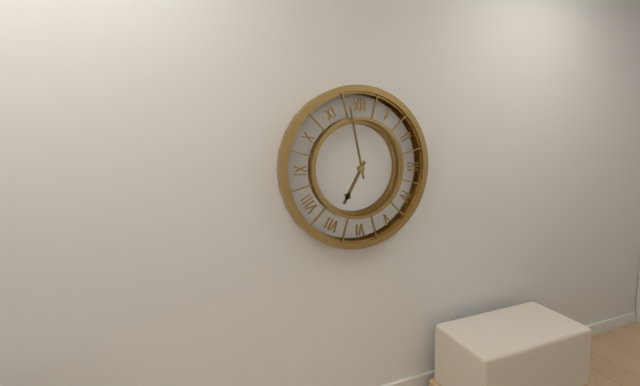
6:58
